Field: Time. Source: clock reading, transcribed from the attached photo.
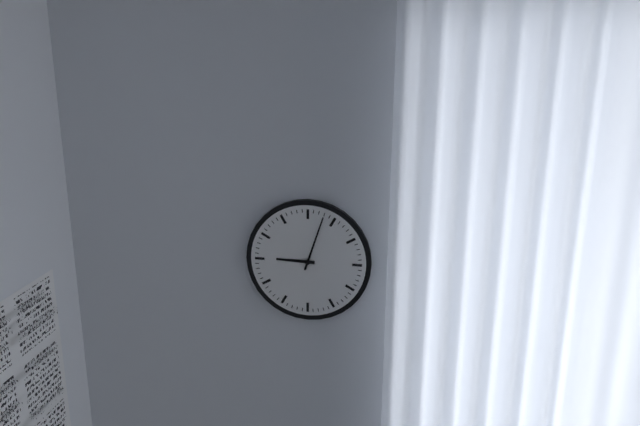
9:03
